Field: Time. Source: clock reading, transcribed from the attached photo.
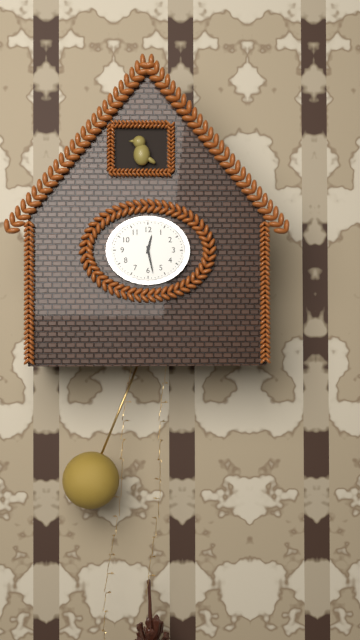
12:28
